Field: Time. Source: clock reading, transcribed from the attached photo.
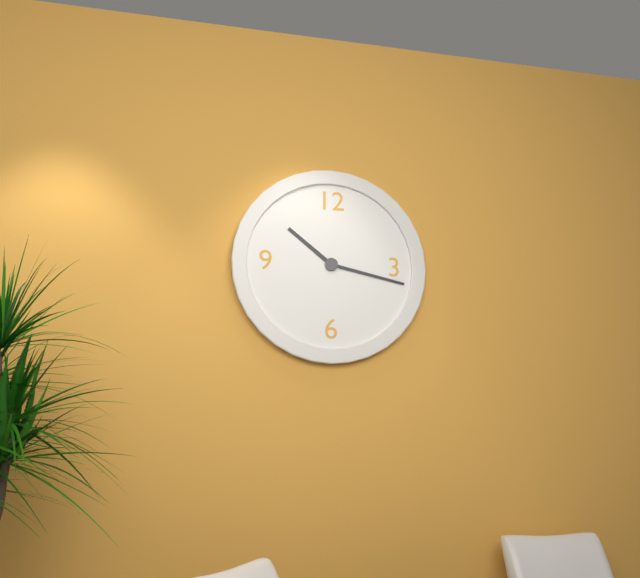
10:17
